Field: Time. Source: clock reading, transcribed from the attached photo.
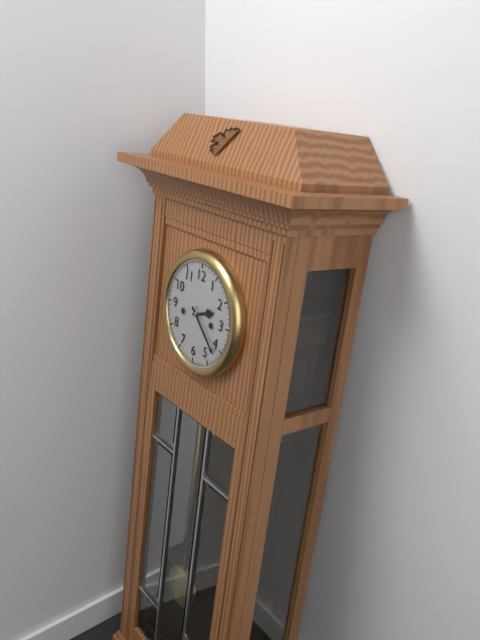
2:22
